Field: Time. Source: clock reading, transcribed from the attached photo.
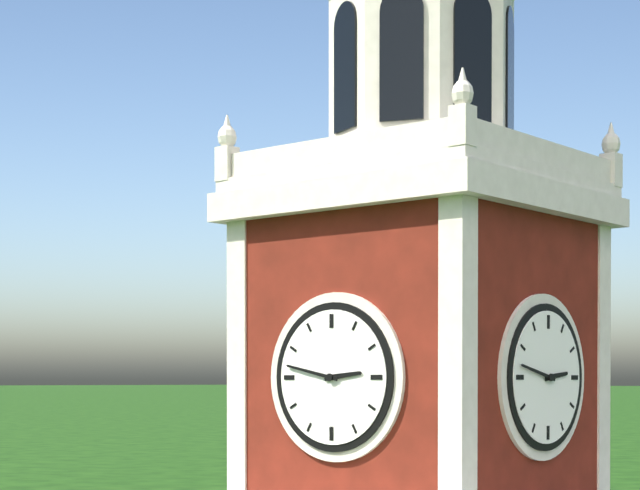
2:47
